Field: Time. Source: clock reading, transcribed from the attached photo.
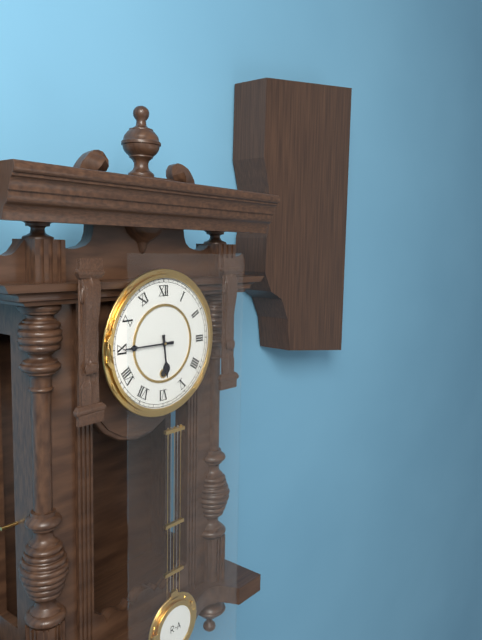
5:45
